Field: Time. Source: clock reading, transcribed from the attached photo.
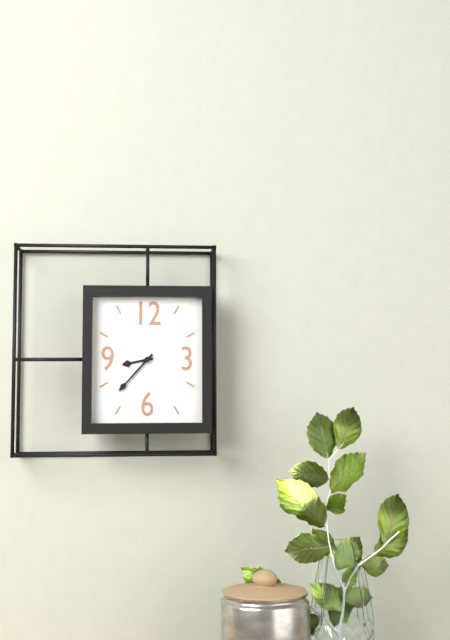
8:37
